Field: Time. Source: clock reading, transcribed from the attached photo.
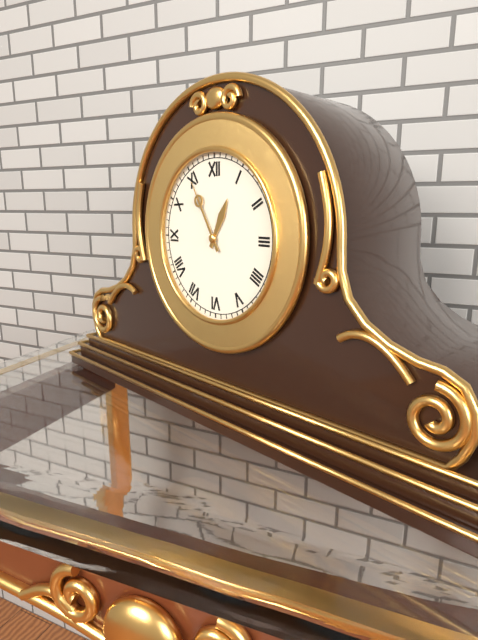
12:55
